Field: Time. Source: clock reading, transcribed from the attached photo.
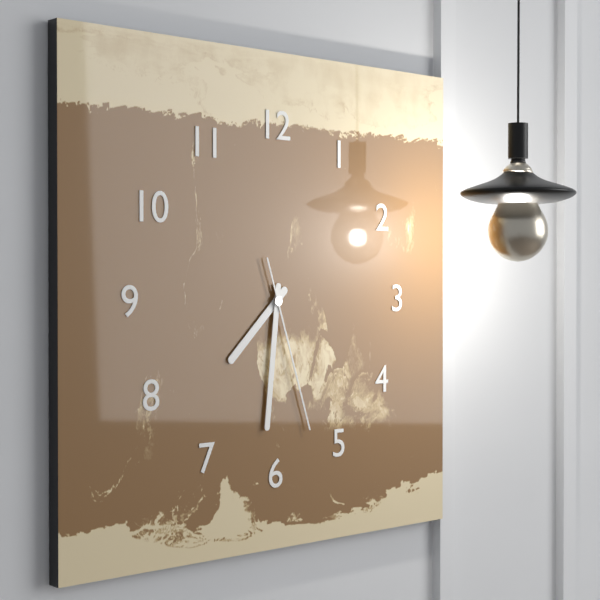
7:31:27
